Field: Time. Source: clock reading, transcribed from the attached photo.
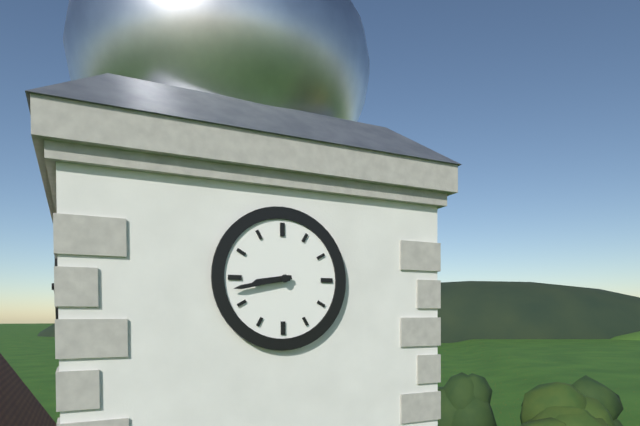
8:43
